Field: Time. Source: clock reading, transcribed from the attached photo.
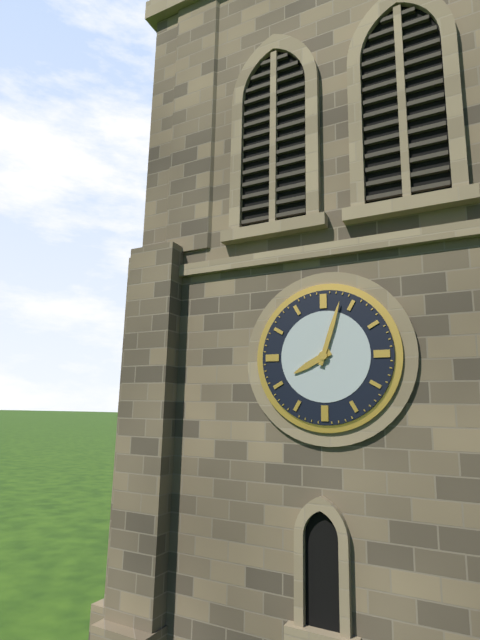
8:03
